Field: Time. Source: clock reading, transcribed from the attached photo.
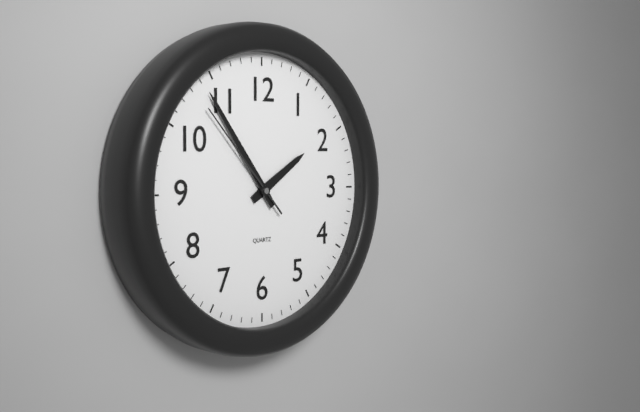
1:54:53
